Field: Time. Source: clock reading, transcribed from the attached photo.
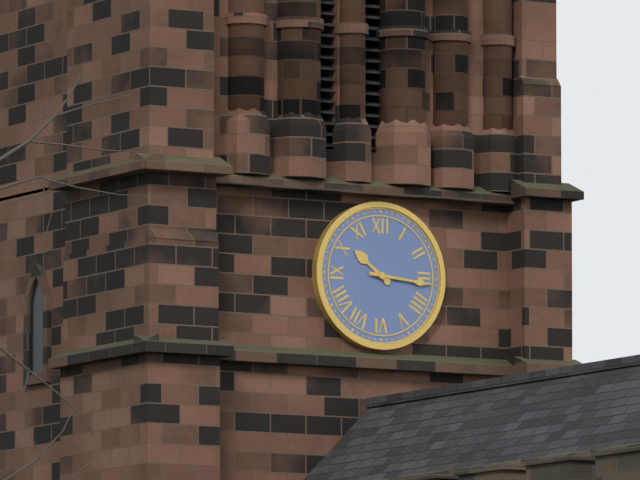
10:16
